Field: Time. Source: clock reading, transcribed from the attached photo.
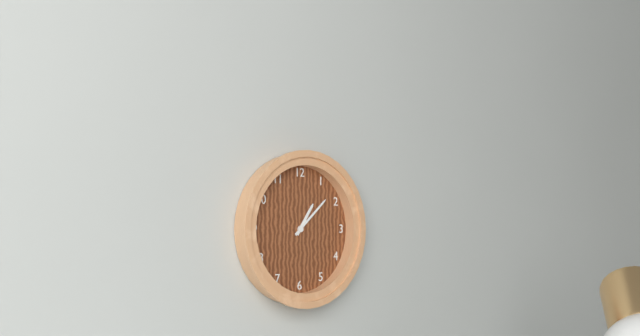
1:08
